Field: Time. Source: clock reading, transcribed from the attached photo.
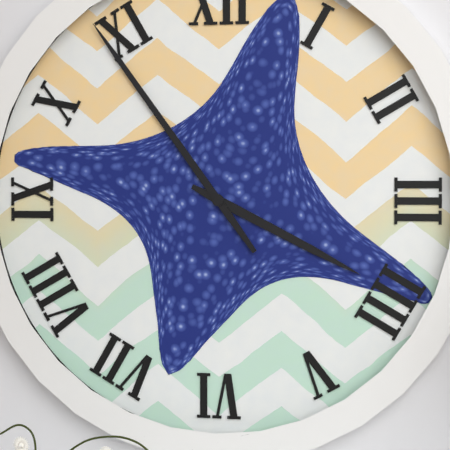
3:54
